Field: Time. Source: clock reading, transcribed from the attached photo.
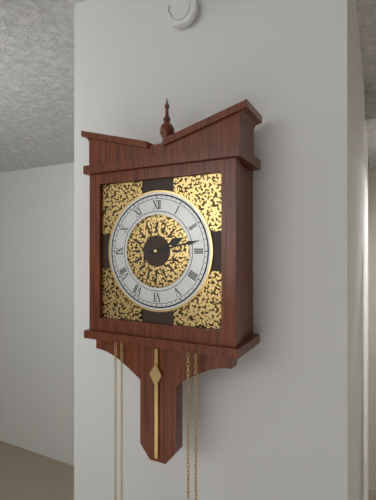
2:13
